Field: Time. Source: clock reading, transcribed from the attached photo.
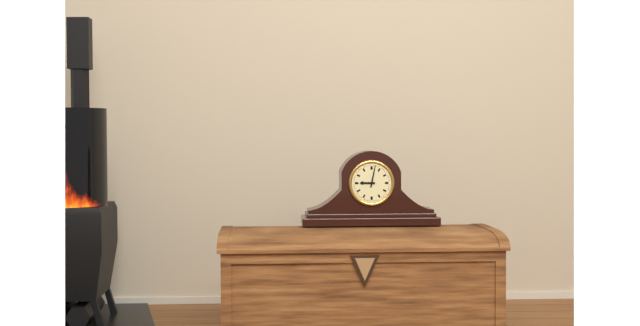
9:02
